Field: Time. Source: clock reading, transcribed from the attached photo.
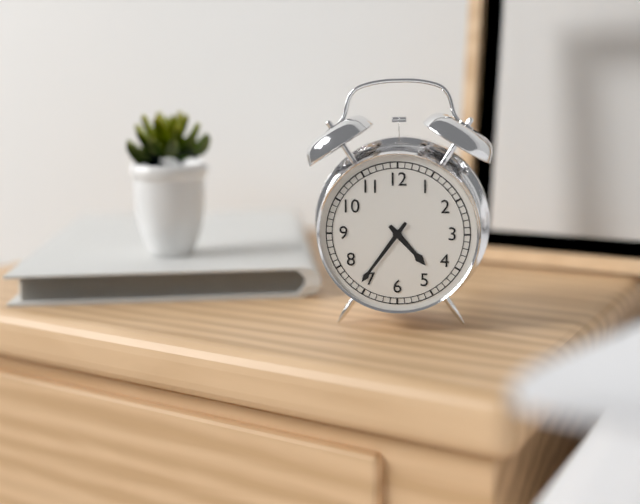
4:36
